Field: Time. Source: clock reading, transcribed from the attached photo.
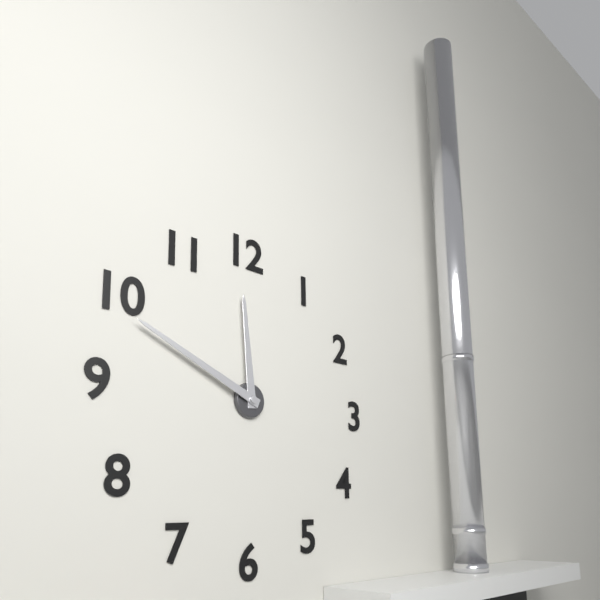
11:49
